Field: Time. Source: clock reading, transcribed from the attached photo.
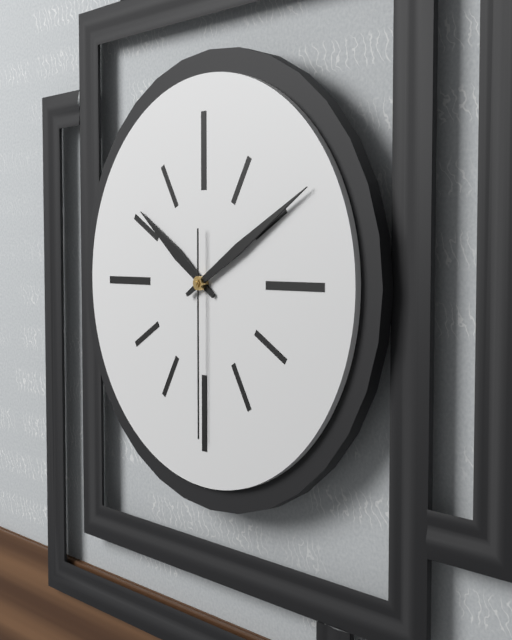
10:10:30
